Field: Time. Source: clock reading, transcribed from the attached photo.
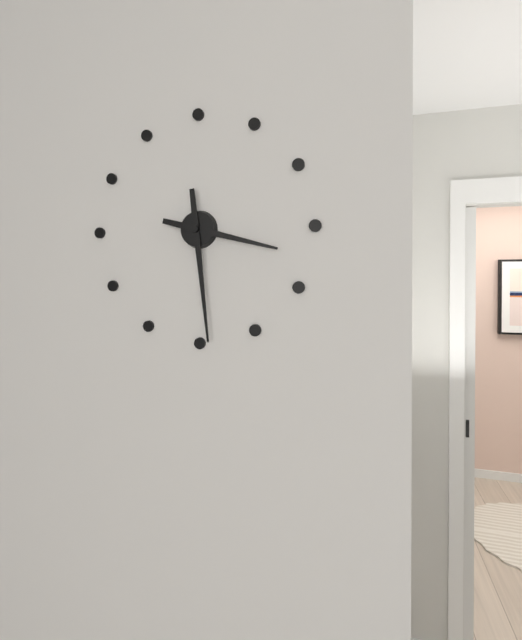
3:29
